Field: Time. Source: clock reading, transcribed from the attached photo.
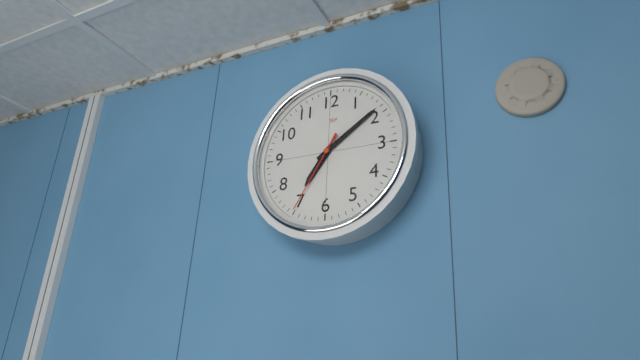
7:09:35
